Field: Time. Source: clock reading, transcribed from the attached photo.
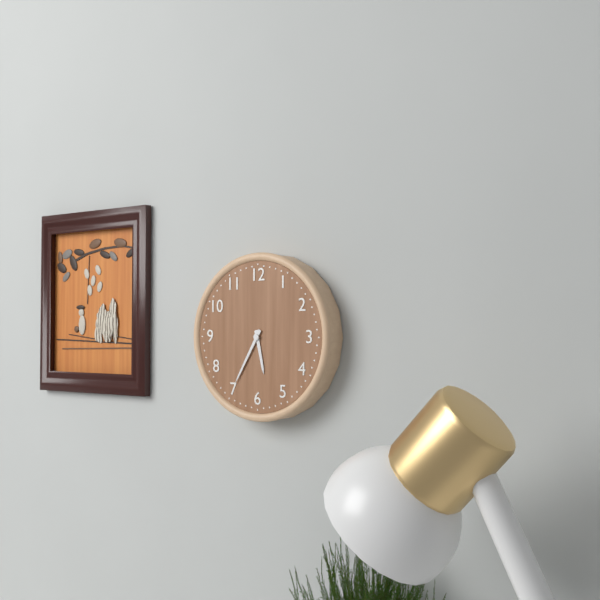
5:35
